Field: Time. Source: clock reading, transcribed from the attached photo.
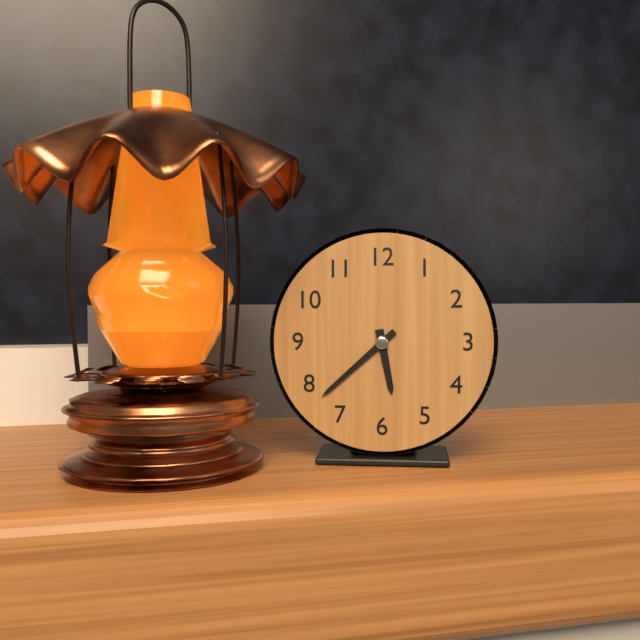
5:38
